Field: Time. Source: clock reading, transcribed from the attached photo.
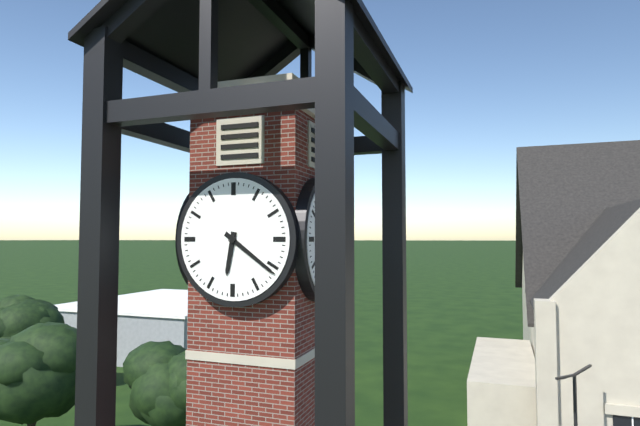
6:21
